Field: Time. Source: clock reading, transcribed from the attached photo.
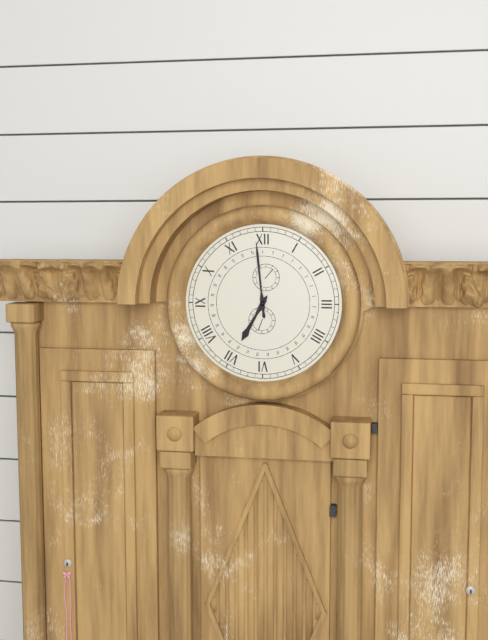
6:59
